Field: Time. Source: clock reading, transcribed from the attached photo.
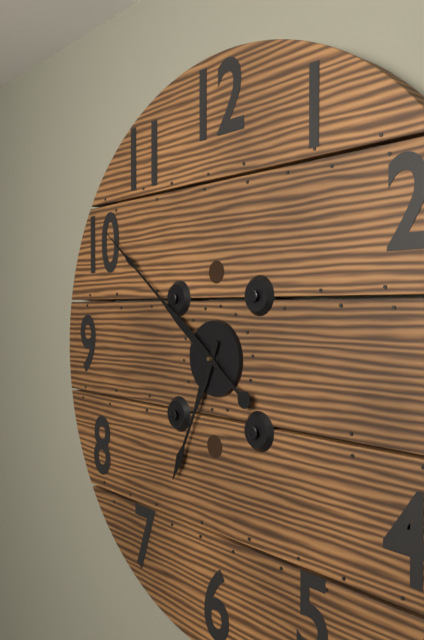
6:51
